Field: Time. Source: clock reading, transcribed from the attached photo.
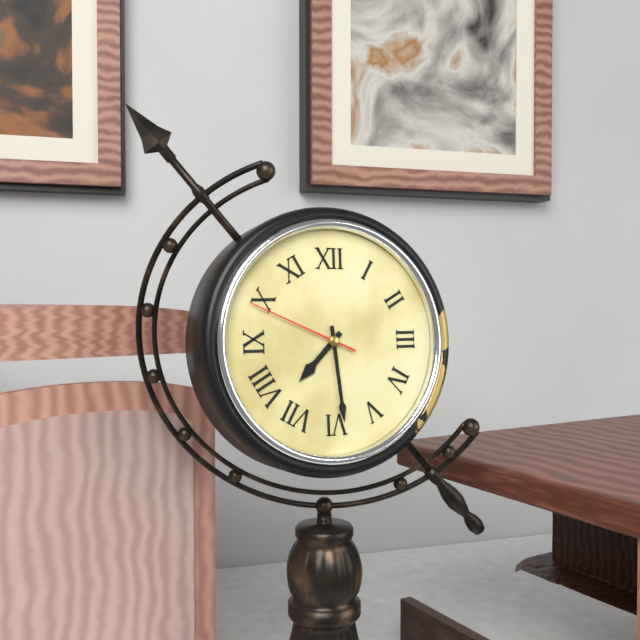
7:29:49
